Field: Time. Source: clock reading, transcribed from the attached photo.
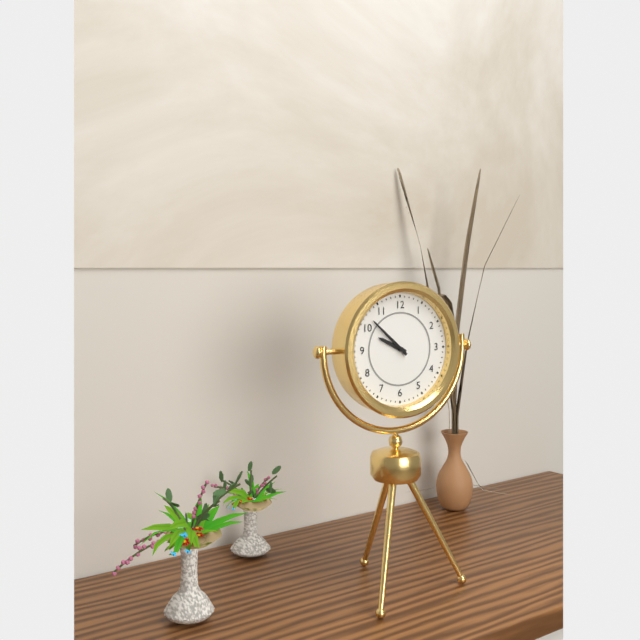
9:52
